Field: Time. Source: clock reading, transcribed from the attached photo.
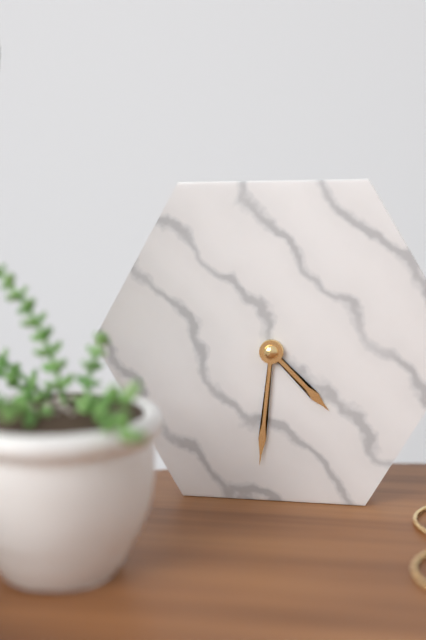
4:31
